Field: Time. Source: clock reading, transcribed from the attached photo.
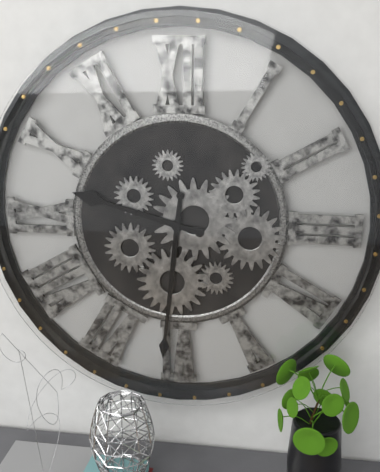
9:31
